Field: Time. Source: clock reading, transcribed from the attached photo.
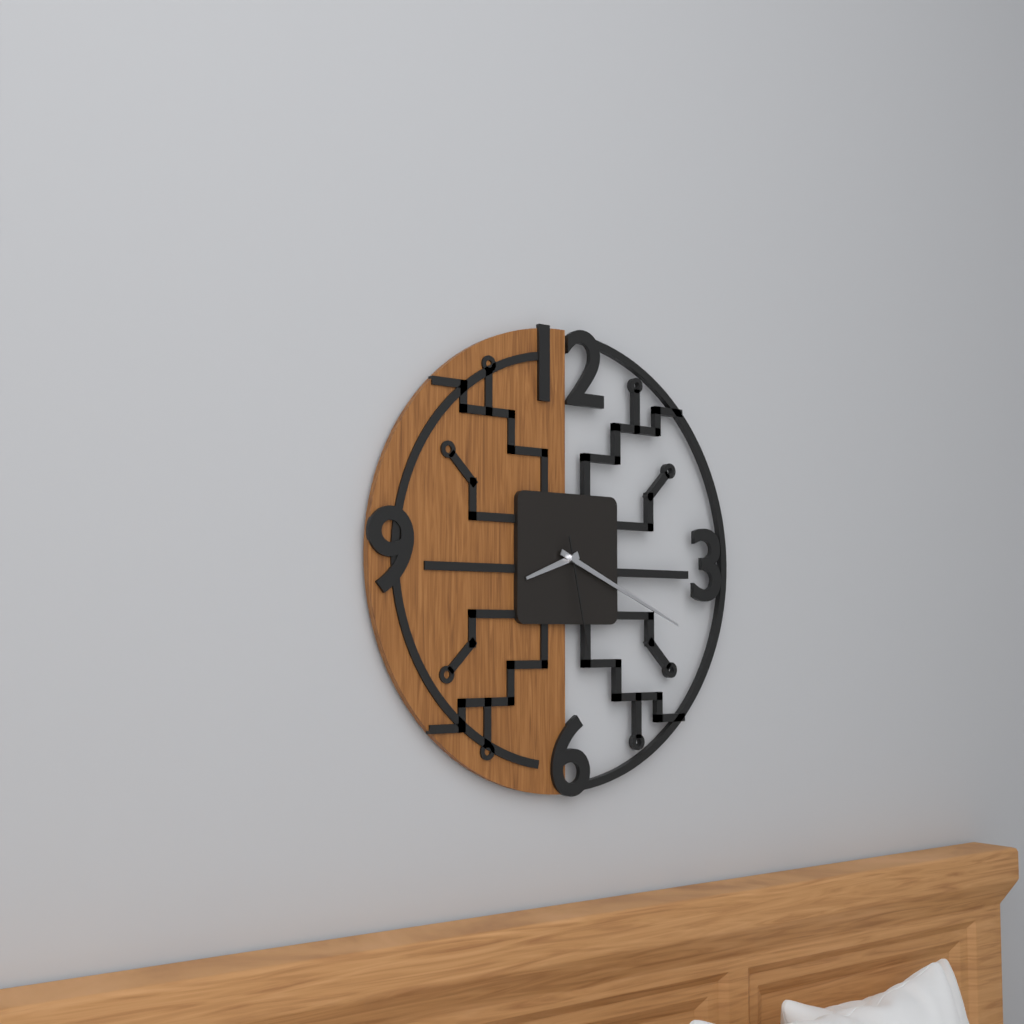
8:19:28
